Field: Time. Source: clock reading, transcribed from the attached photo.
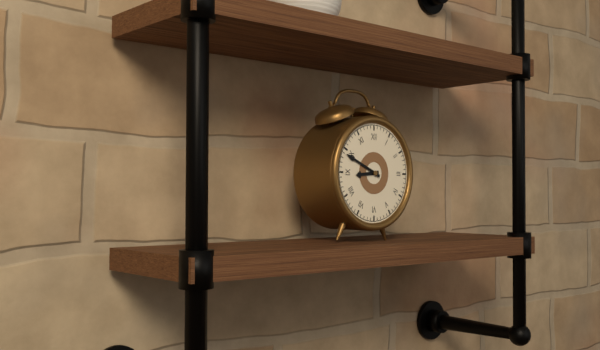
8:49
